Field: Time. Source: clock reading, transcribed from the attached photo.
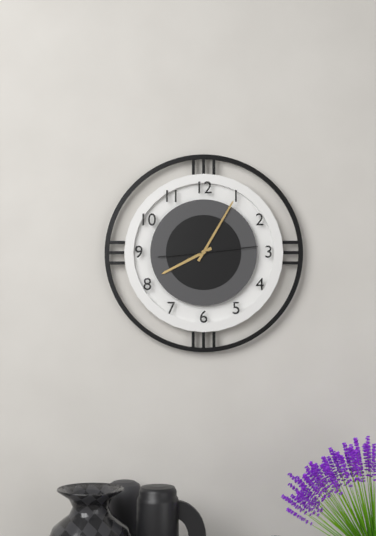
8:05:14
